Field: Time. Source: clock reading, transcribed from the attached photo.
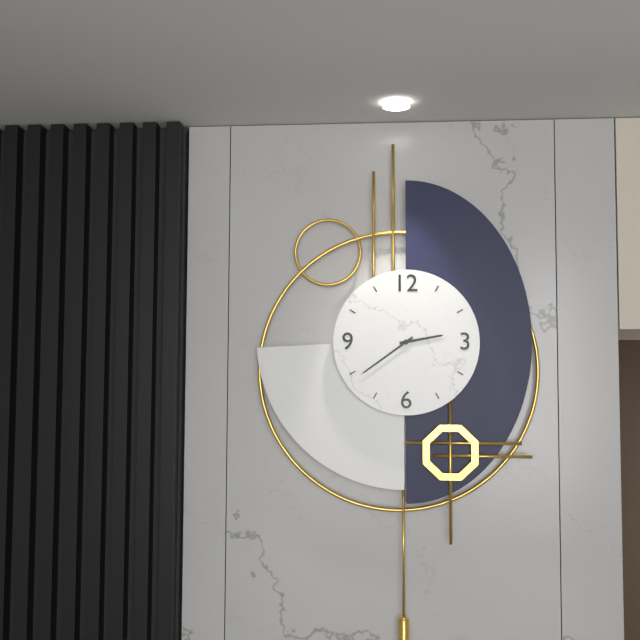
2:39
